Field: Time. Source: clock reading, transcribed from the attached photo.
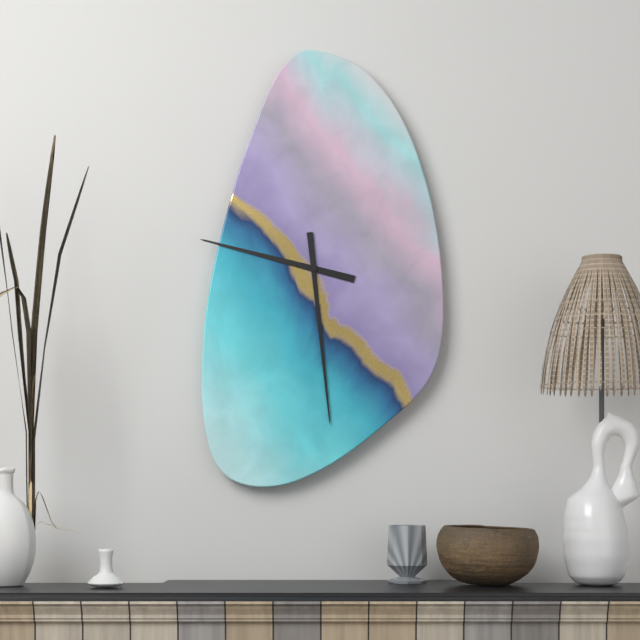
9:29
